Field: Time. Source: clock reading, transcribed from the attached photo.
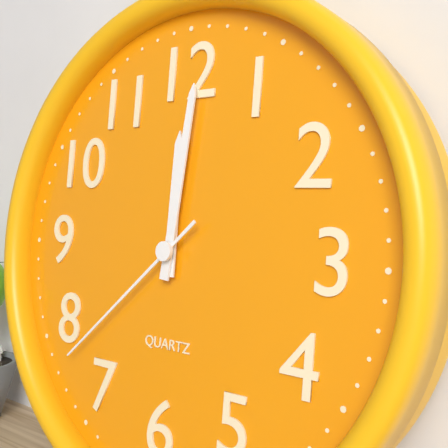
12:01:38
